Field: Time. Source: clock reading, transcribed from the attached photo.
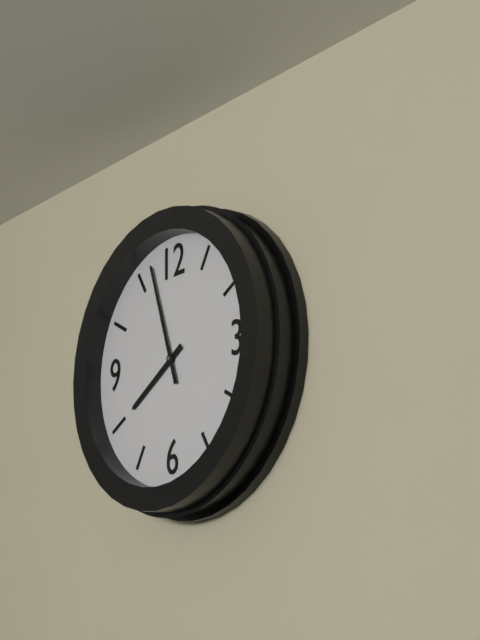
7:57
